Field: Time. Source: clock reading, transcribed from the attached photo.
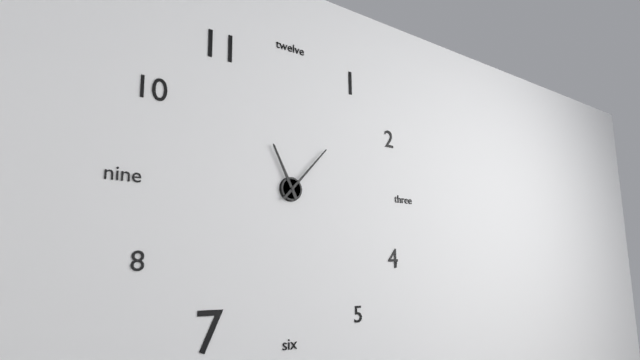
11:07
